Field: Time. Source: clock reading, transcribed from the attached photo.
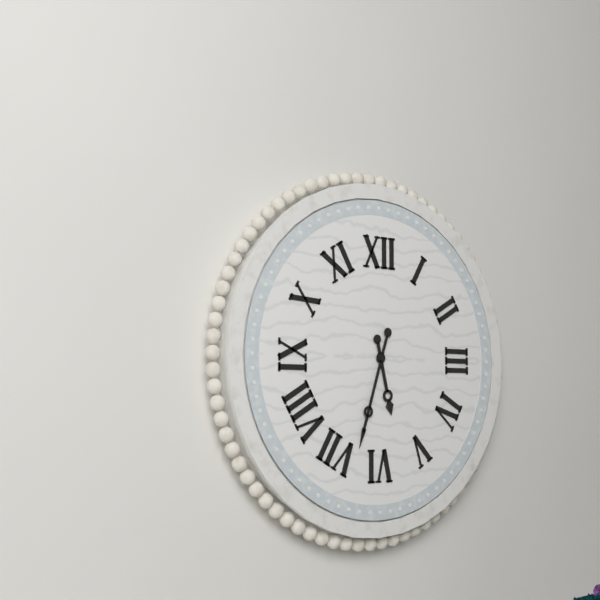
5:33
